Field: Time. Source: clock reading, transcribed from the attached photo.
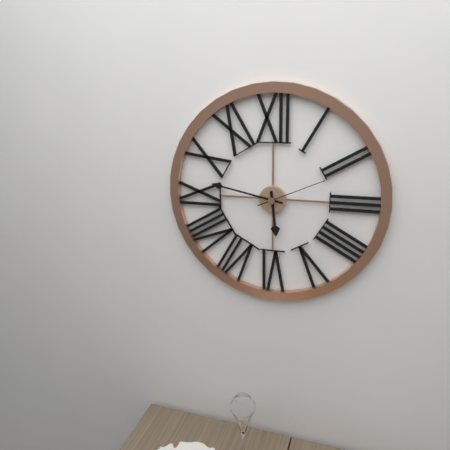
5:47:11
